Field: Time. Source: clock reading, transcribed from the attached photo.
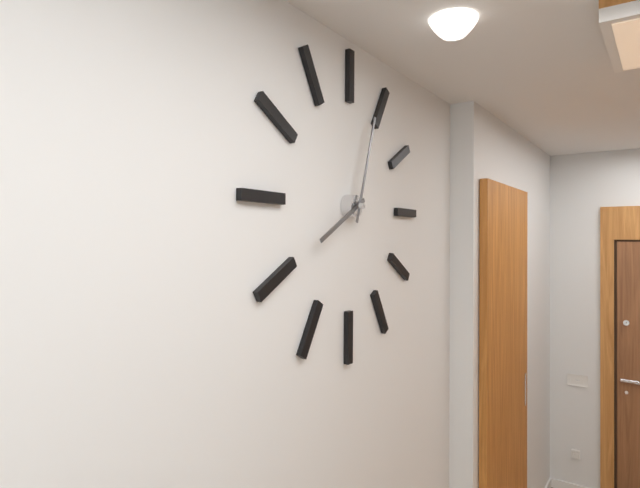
8:03
